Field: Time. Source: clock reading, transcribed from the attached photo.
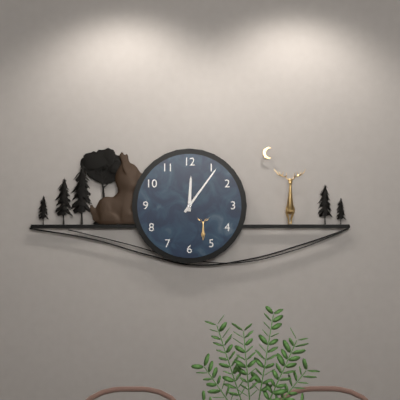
12:06
